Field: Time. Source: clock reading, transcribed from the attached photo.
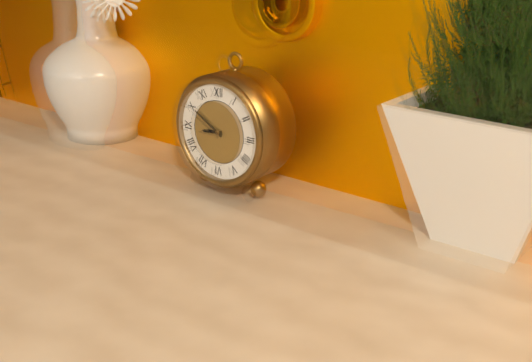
8:50
